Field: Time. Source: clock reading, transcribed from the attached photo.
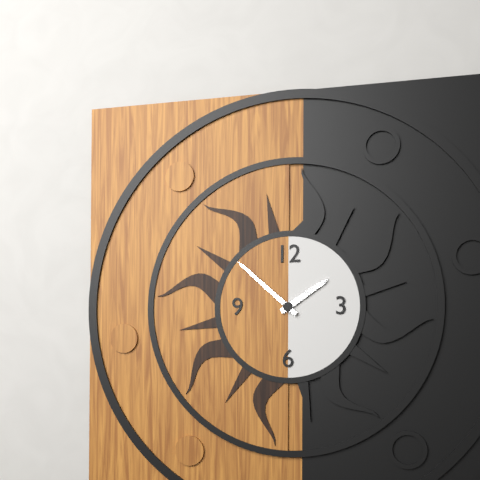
1:52
